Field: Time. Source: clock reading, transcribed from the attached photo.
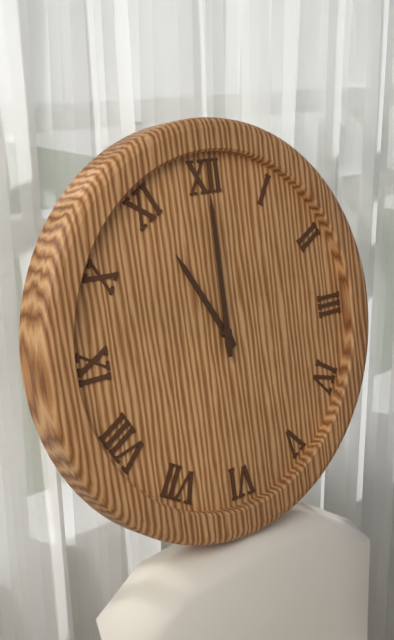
11:00
